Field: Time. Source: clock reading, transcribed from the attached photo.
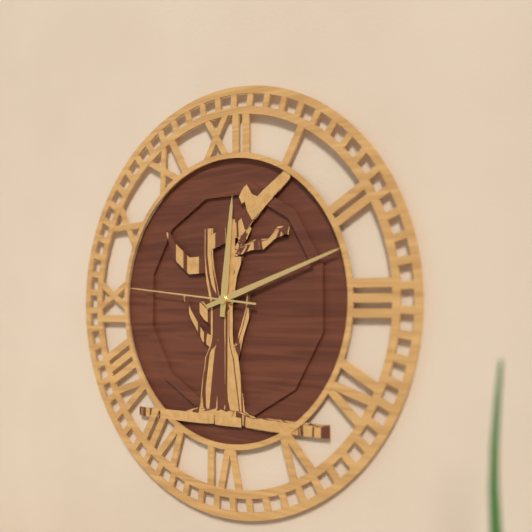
12:12:46
